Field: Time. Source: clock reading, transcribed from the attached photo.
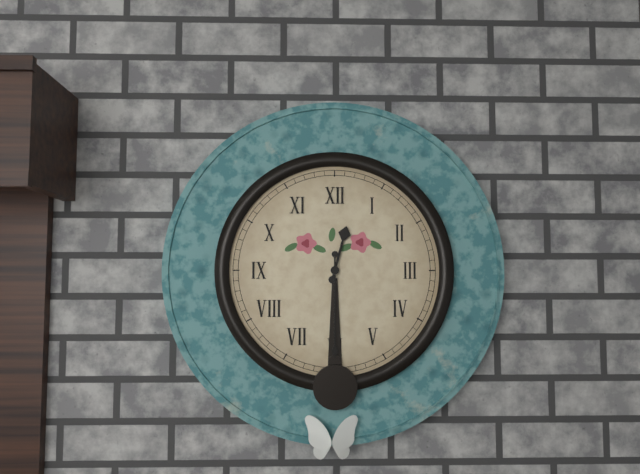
12:30
